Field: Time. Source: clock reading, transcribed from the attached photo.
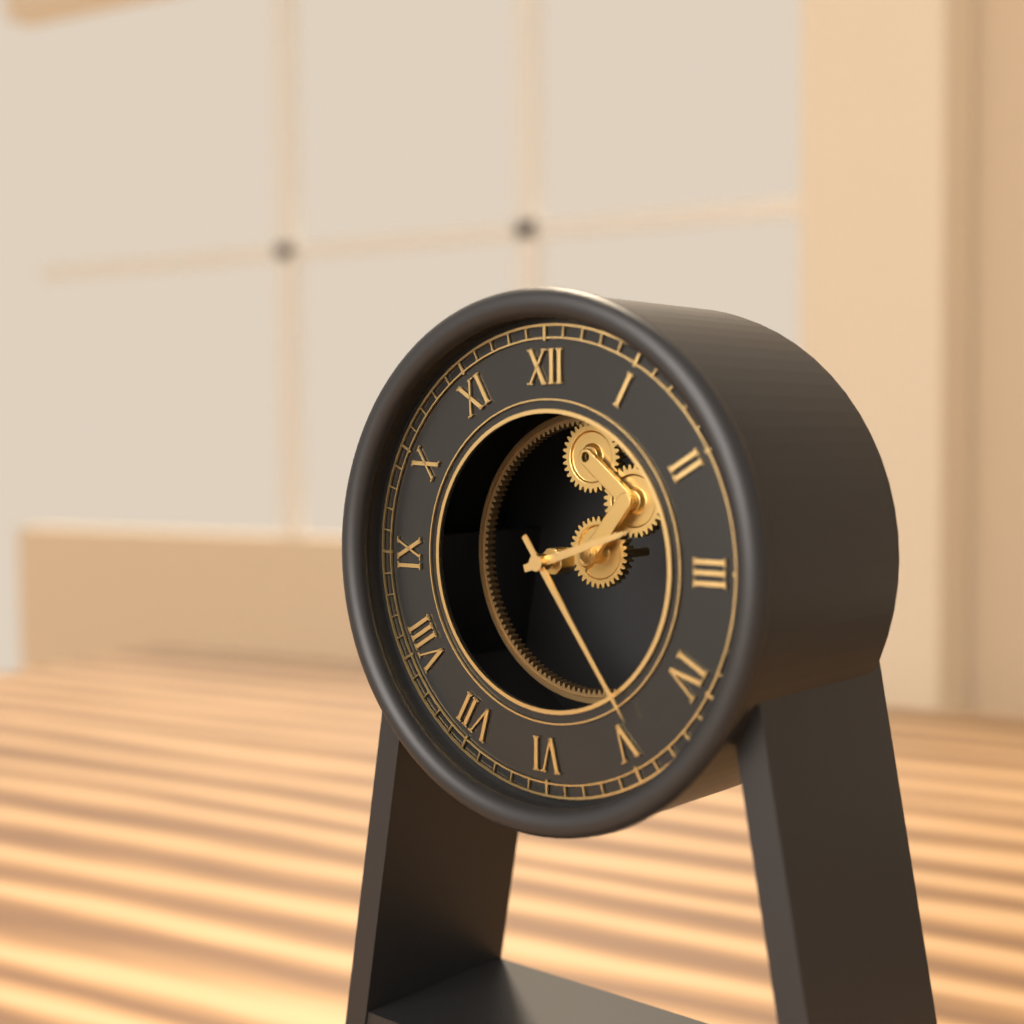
2:24
